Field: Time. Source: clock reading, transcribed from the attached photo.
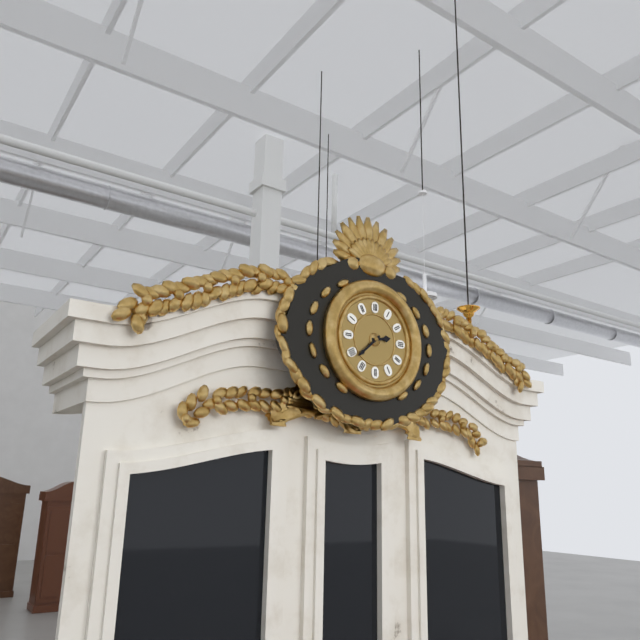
2:38
